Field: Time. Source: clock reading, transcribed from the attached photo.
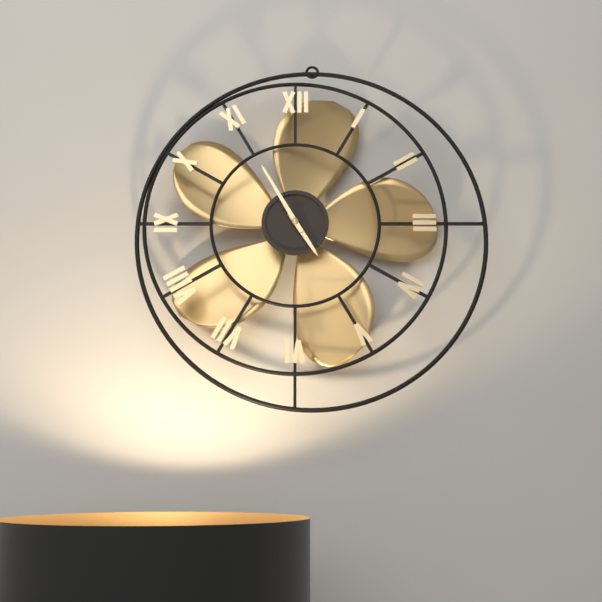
4:55
